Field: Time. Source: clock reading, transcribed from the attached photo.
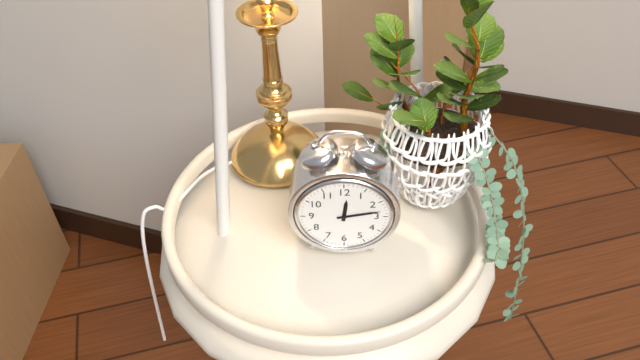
12:13
